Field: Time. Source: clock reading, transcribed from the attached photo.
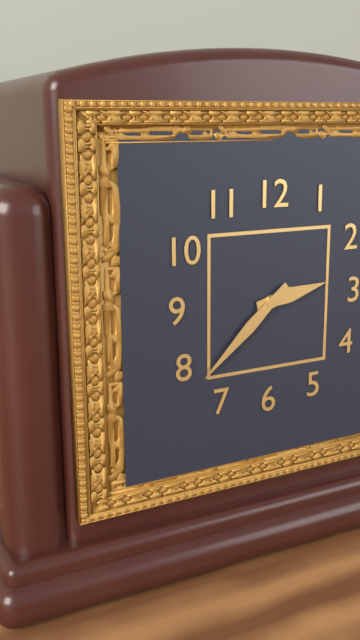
2:38
